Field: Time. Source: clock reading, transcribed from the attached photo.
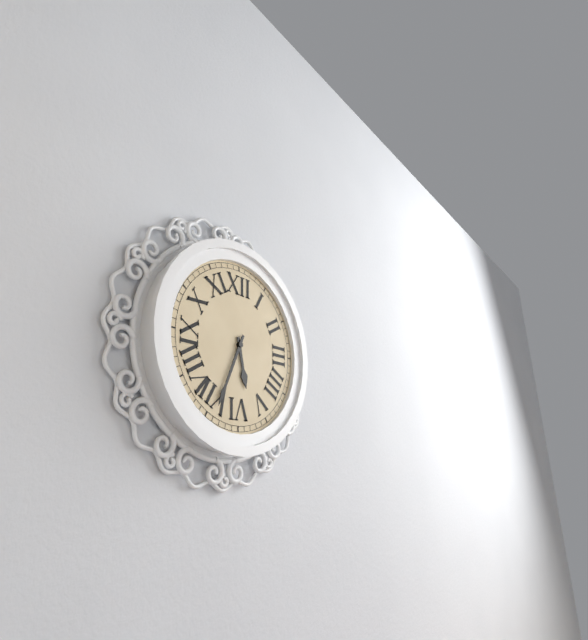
5:34
